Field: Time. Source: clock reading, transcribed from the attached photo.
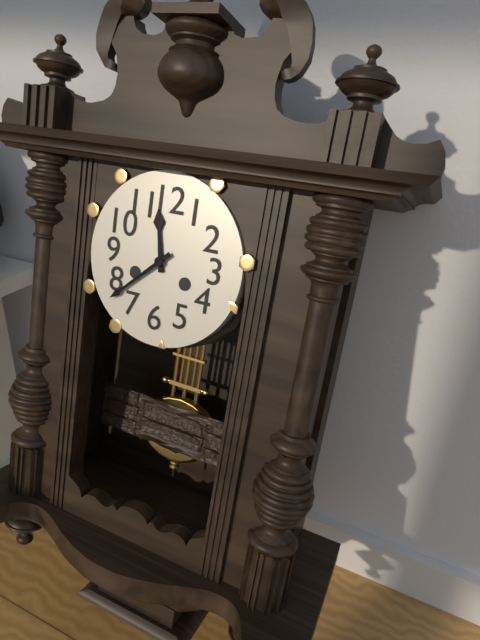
11:38
